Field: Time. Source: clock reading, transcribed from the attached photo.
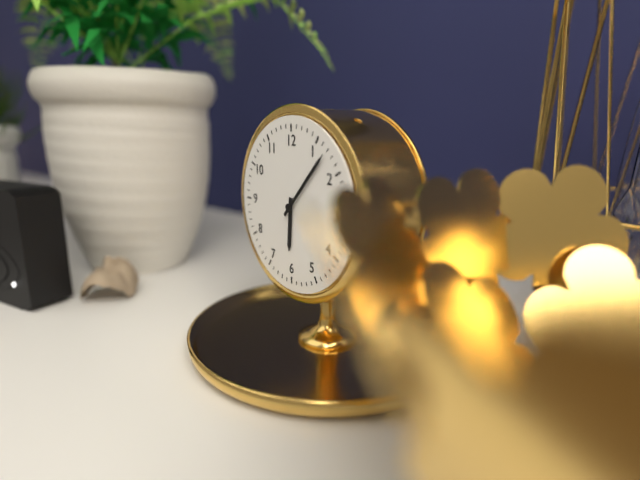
6:07
